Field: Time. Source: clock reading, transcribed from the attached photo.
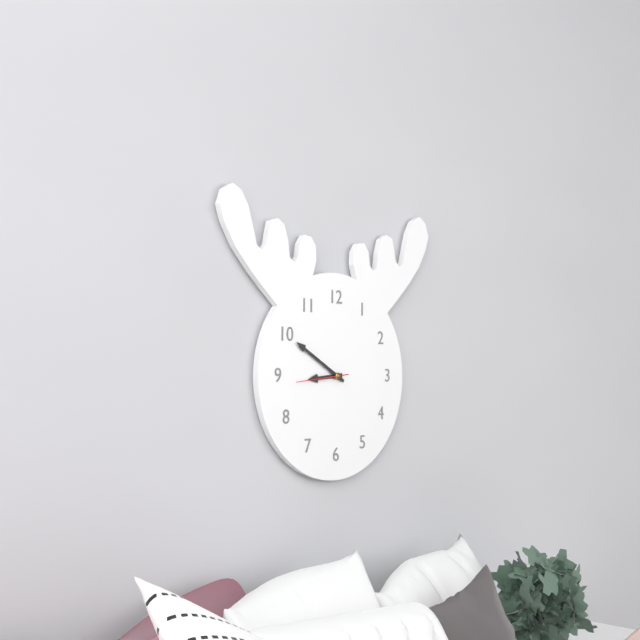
8:50:44
